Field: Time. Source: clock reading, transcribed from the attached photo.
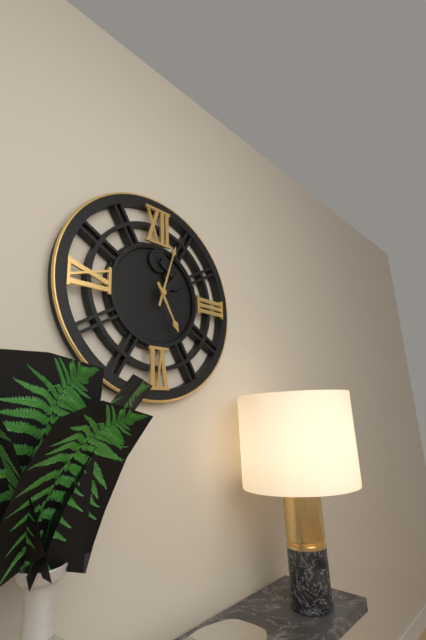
5:03
